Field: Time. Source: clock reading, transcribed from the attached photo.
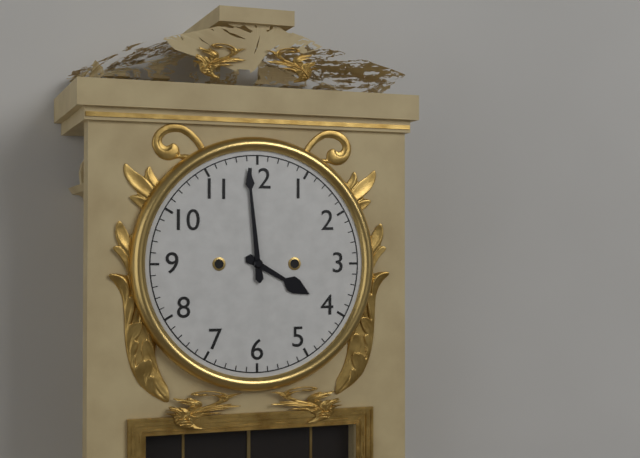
3:59
